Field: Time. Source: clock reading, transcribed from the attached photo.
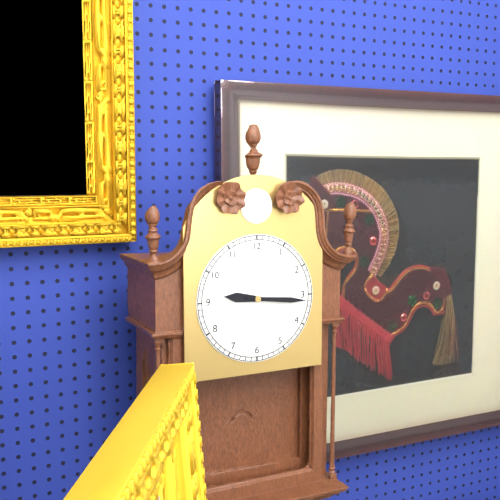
9:16
